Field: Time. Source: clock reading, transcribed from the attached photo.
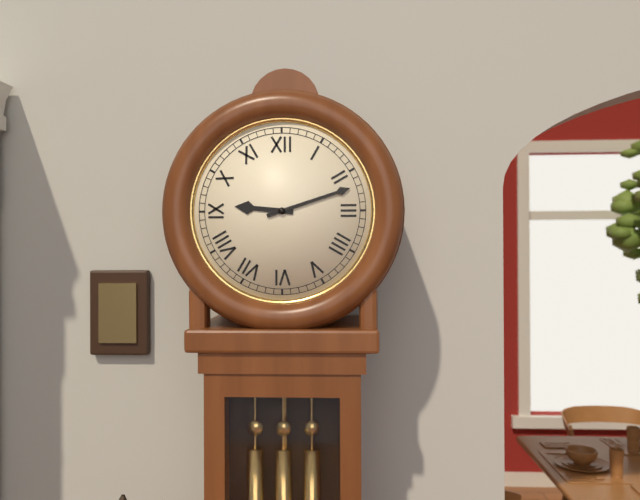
9:12
